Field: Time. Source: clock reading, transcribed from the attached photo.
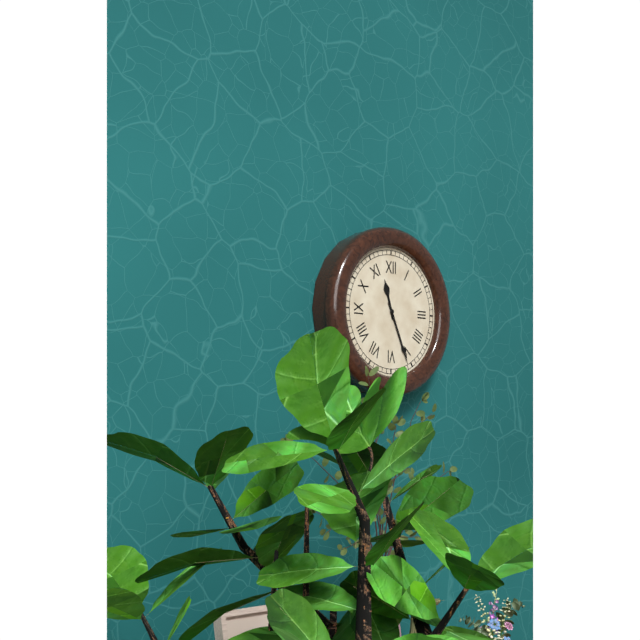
11:26
